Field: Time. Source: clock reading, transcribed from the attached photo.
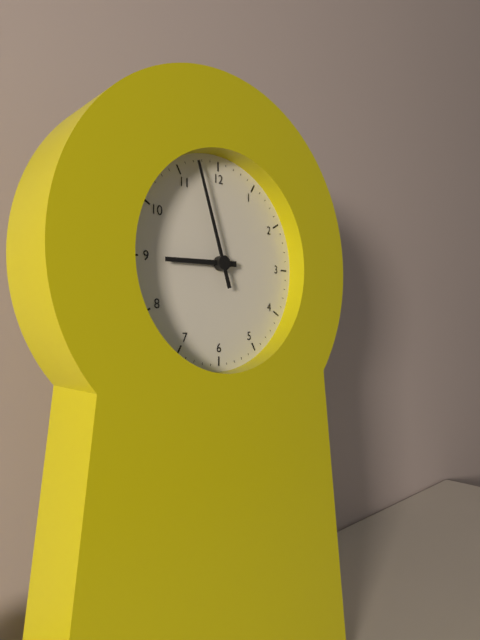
8:57
